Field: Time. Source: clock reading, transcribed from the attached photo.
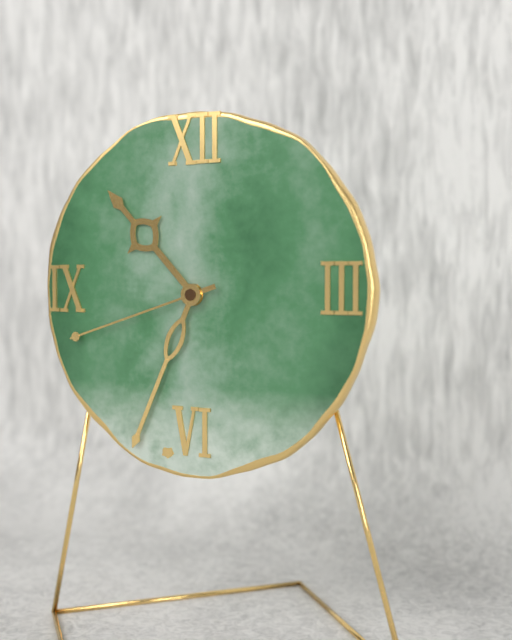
10:34:42
